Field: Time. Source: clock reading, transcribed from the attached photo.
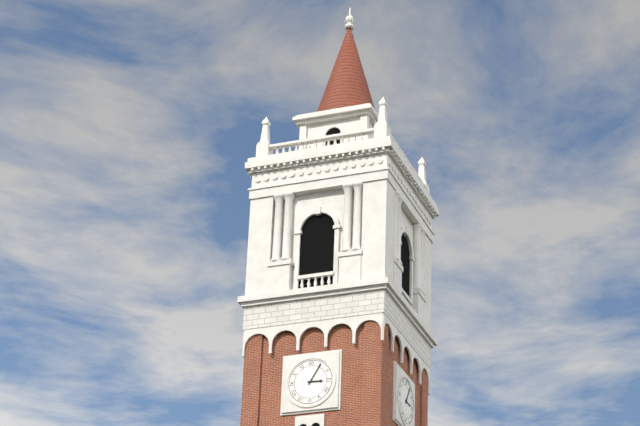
3:05
